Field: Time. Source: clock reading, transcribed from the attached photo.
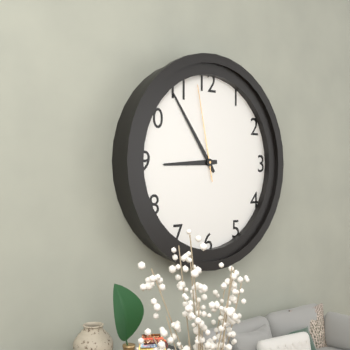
8:54:58
